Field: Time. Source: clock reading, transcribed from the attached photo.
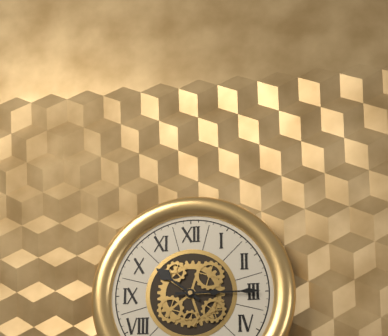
10:15
